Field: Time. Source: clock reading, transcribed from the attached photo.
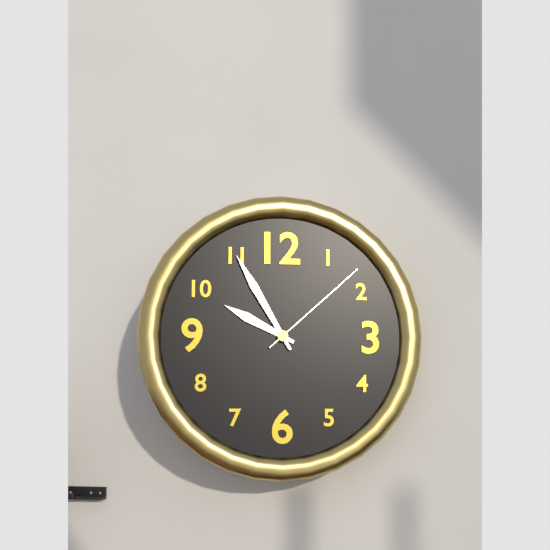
9:55:08
